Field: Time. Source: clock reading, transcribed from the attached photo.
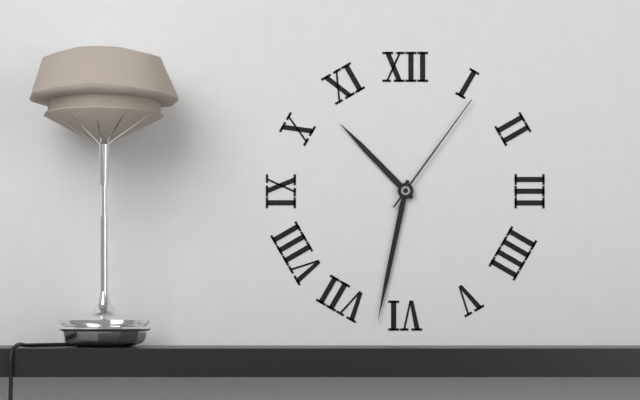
10:32:06
